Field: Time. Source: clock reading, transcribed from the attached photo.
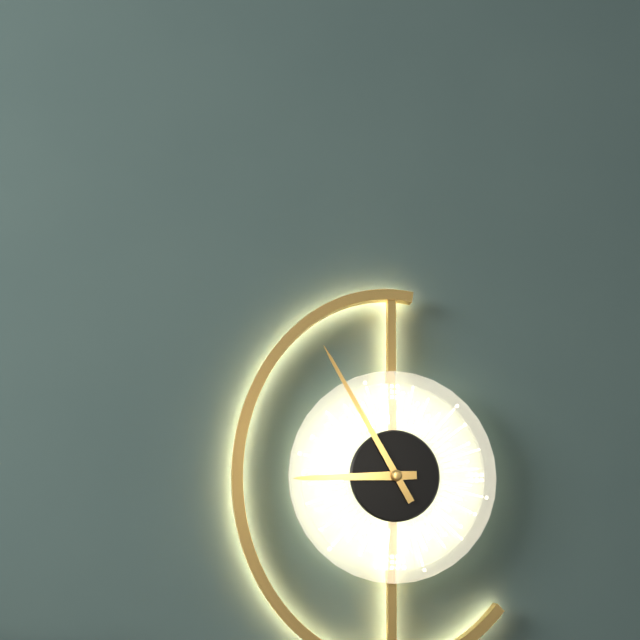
8:55
